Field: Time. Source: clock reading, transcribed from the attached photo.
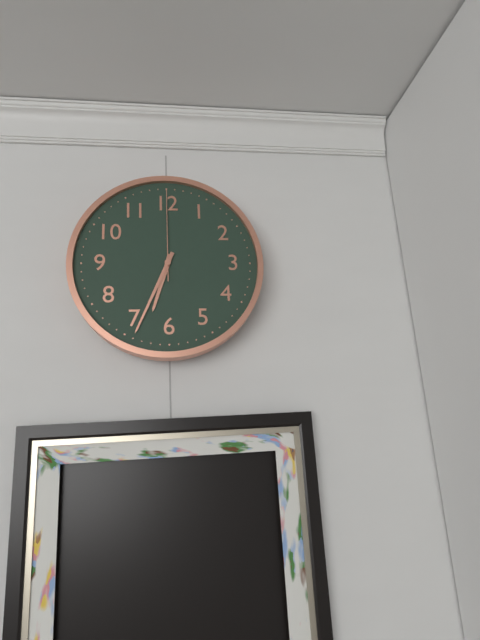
6:34:00
